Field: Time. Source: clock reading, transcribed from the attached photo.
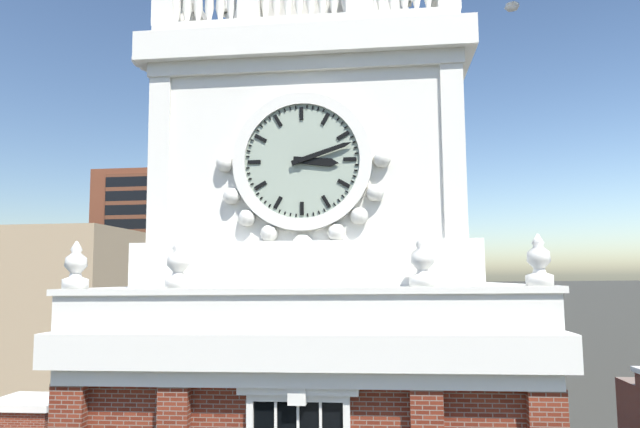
3:12
